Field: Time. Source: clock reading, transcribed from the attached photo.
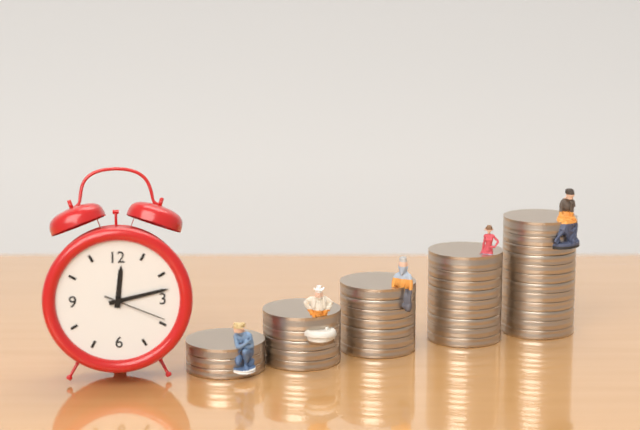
12:13:19
